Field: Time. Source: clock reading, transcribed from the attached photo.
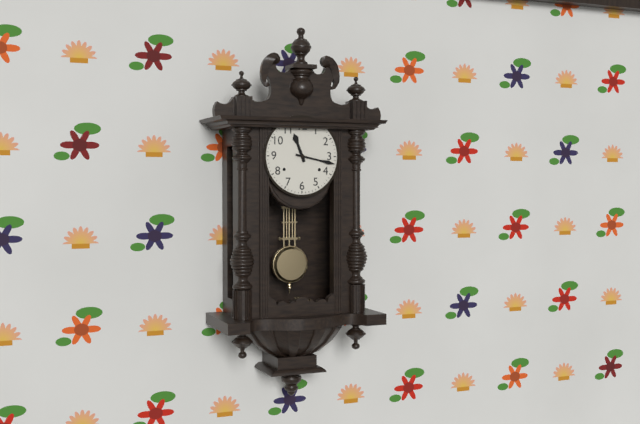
11:17
